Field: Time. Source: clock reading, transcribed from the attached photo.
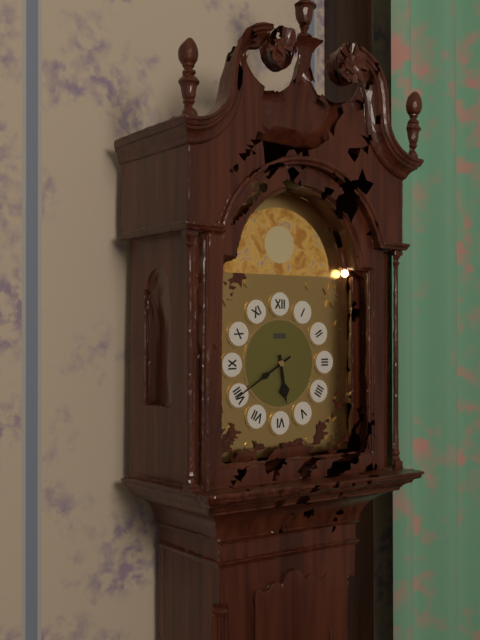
5:40
